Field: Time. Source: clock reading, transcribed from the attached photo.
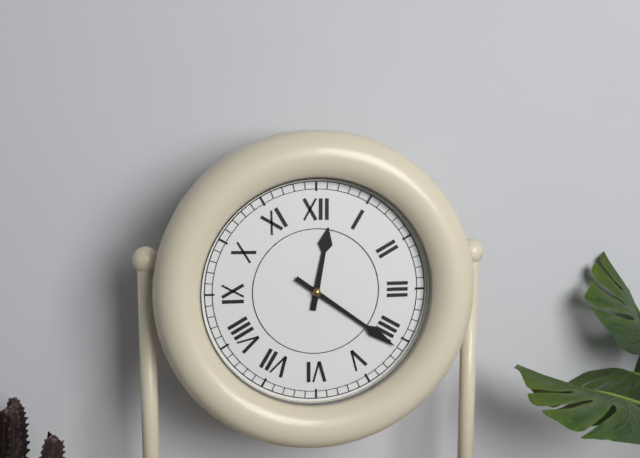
12:21
